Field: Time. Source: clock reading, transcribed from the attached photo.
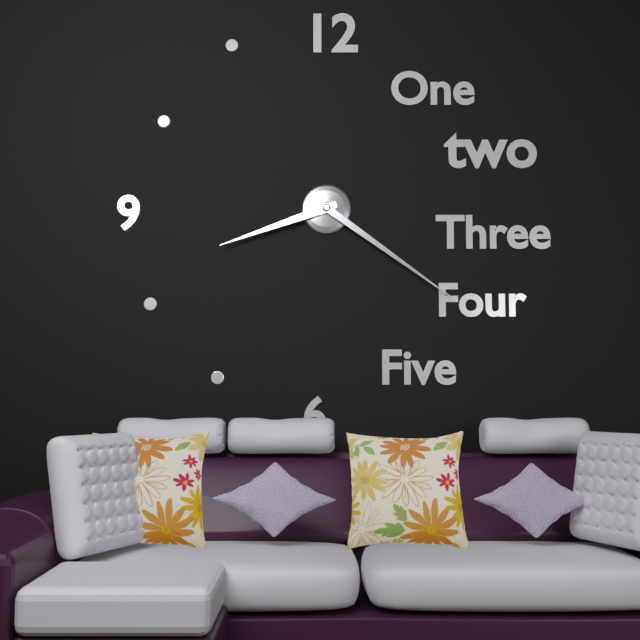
8:21
